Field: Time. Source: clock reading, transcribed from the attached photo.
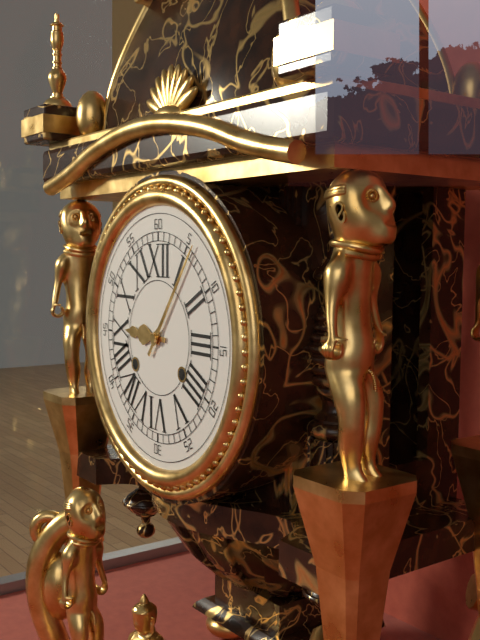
9:06
